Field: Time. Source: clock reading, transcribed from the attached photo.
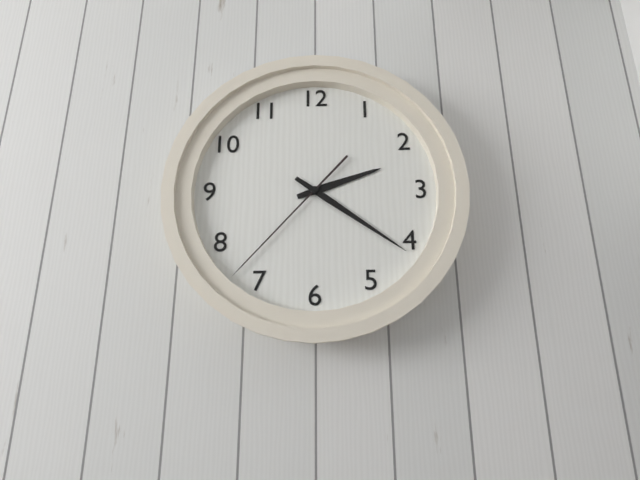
2:21:37
